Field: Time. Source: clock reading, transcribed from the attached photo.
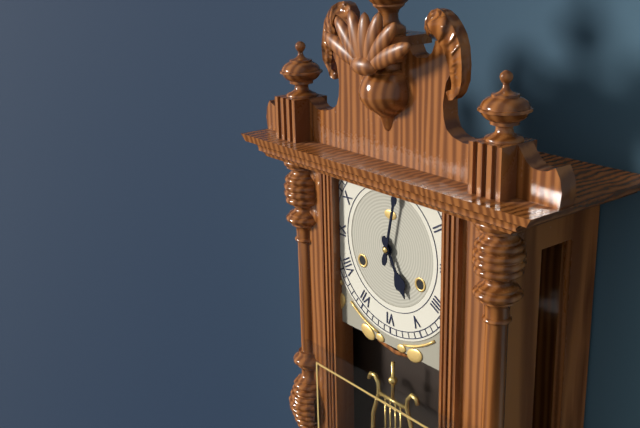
5:02
